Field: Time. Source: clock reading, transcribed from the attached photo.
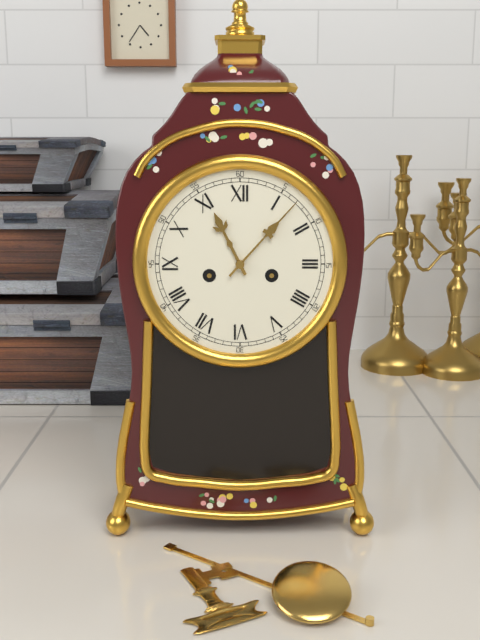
11:07
